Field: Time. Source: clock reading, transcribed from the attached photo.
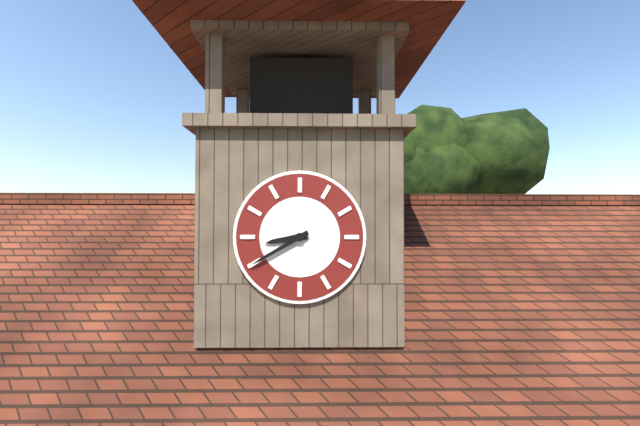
8:40
